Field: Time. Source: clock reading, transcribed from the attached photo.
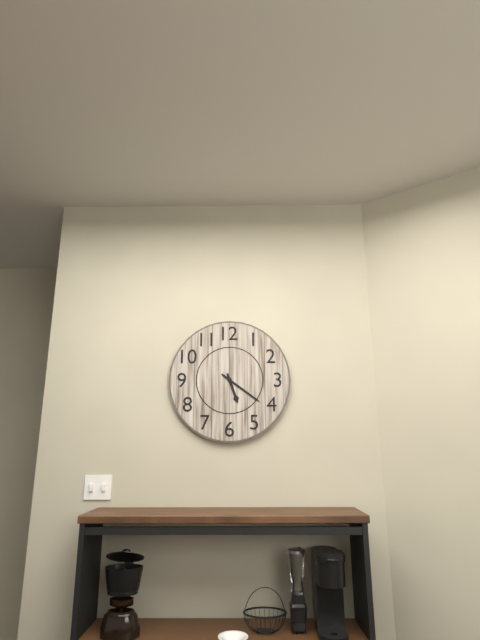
5:21
